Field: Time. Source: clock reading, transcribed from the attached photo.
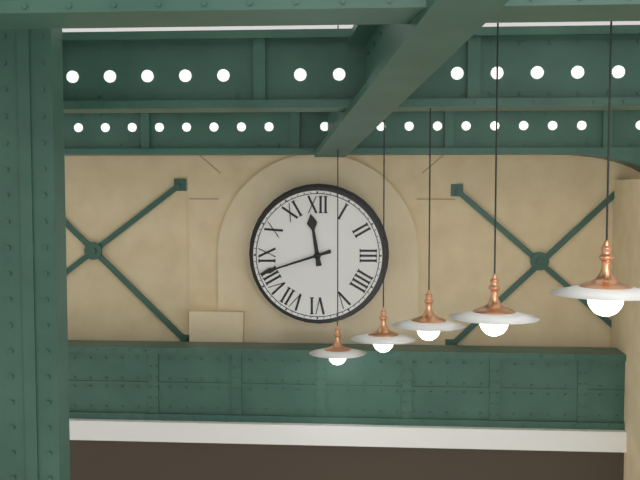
11:42
